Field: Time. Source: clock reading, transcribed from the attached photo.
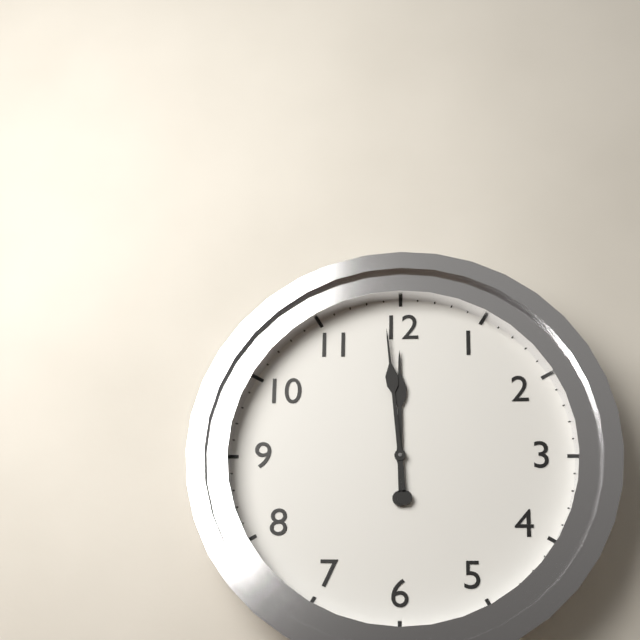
11:59
